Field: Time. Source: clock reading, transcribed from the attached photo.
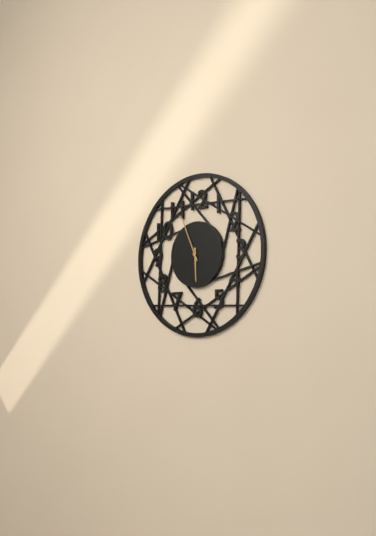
5:56
